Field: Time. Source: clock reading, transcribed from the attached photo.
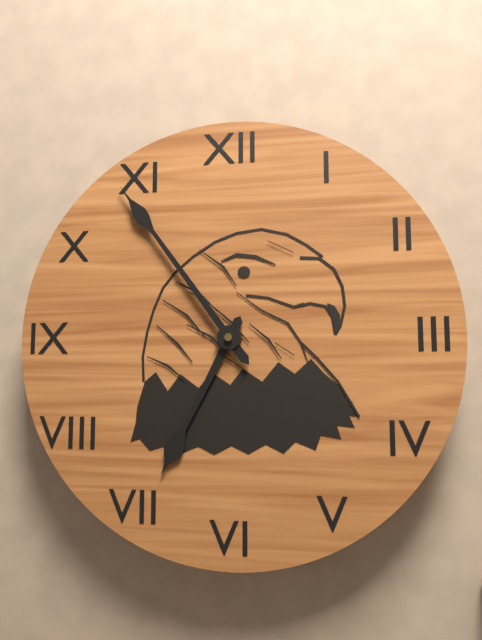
6:54
